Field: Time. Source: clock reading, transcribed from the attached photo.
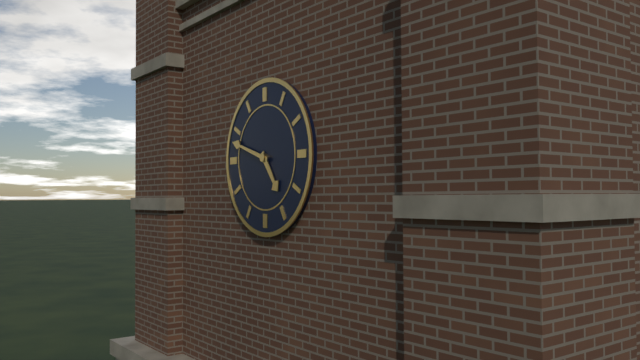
4:48
